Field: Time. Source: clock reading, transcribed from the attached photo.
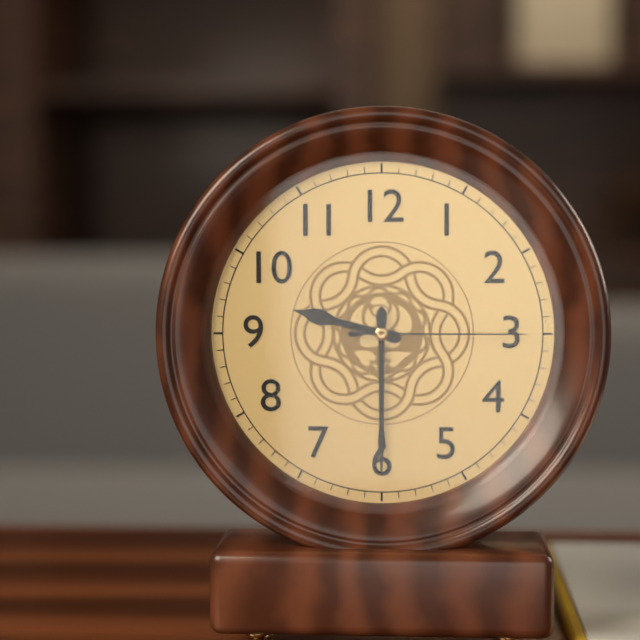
9:30:15
